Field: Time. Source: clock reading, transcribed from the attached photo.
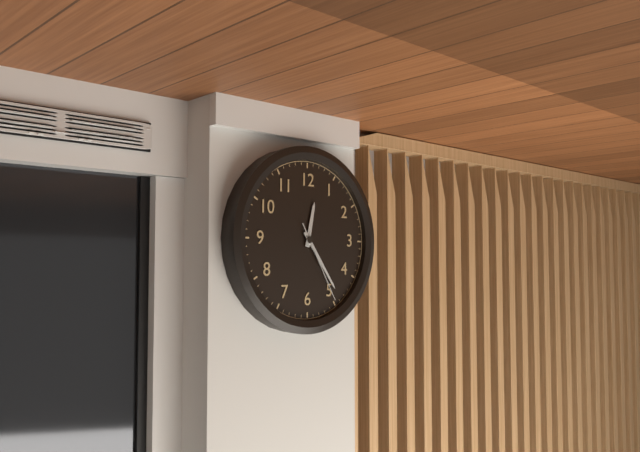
12:24:25
